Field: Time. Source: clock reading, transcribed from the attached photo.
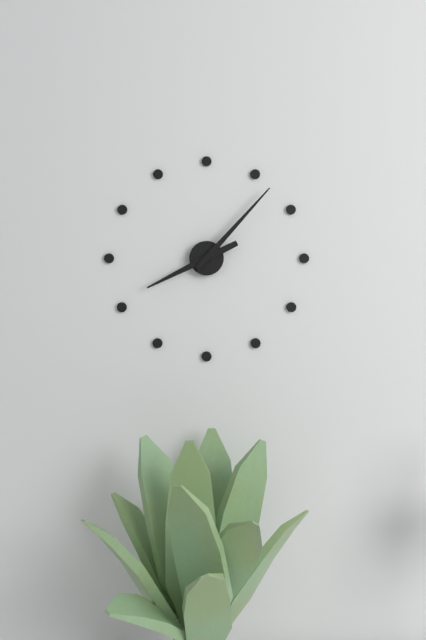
8:07
